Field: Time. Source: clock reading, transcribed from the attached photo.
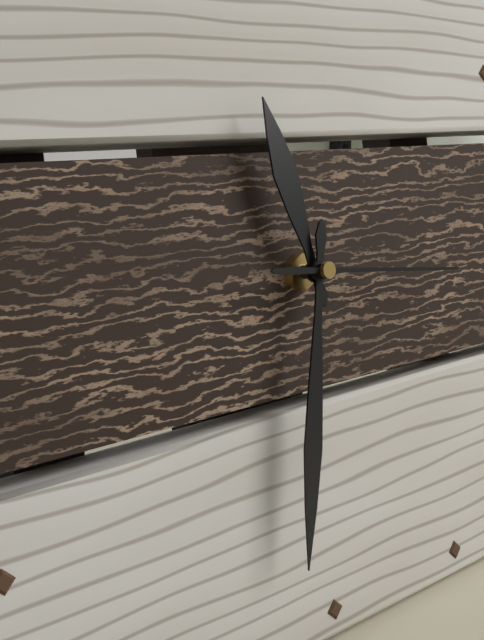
11:32:16
